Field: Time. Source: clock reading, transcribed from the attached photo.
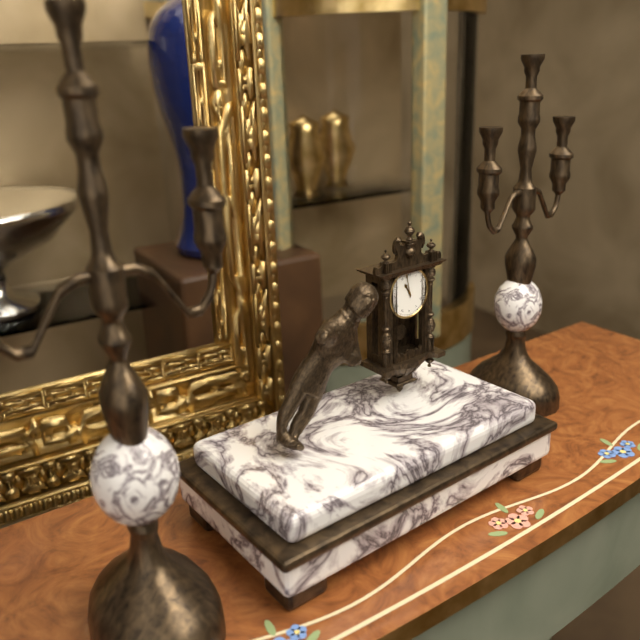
10:58
